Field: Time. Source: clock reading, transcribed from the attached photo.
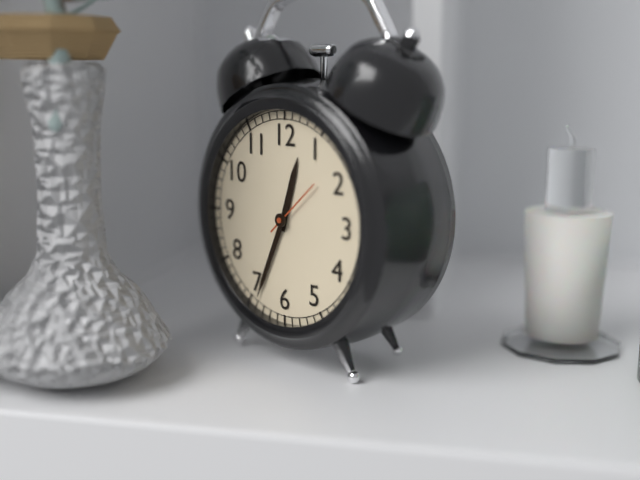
12:34:08
